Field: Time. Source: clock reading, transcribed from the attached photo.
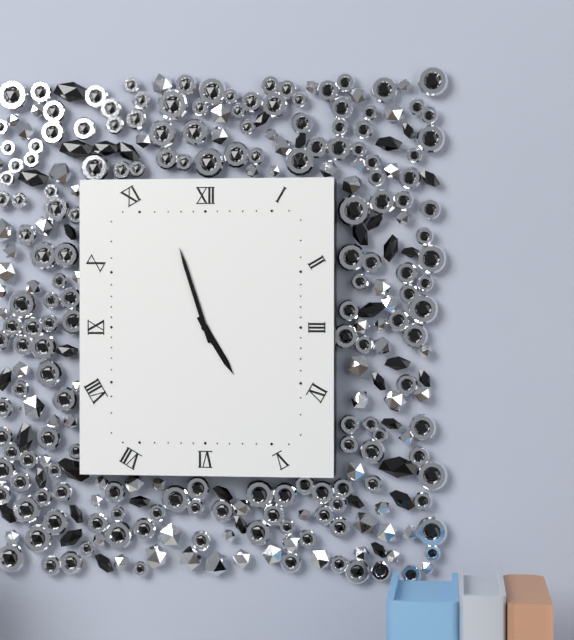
4:57
